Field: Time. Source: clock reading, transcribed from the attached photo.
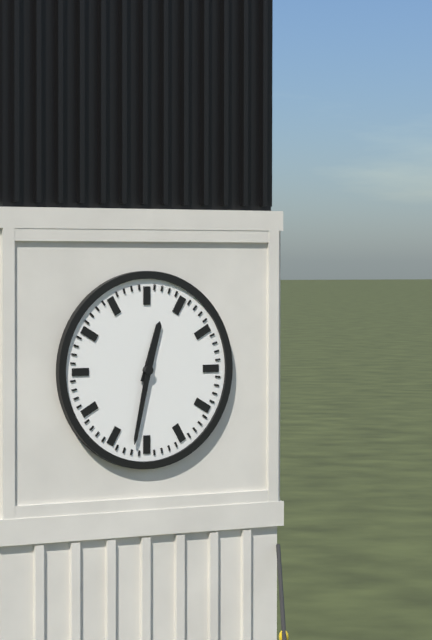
12:32
